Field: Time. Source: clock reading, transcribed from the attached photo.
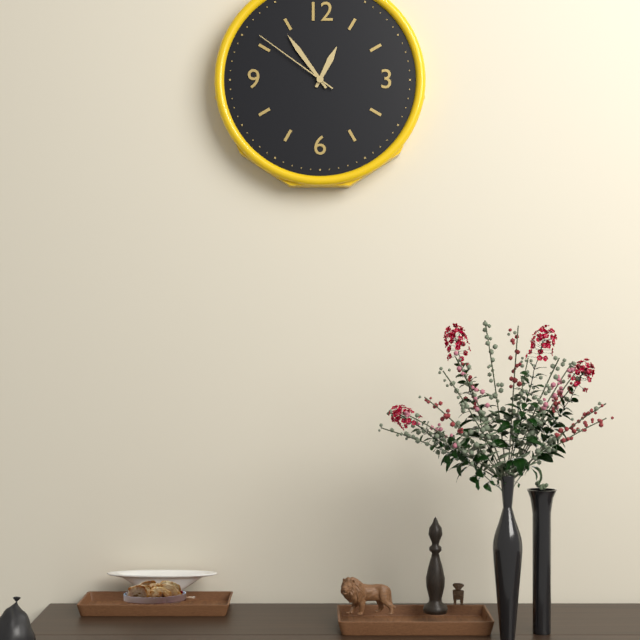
12:54:51
